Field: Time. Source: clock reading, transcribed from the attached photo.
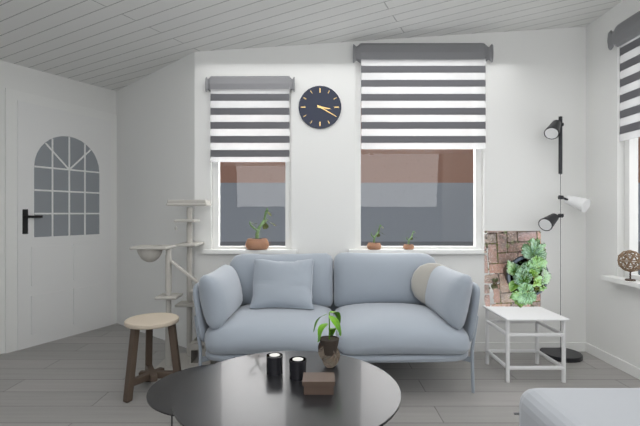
3:20
